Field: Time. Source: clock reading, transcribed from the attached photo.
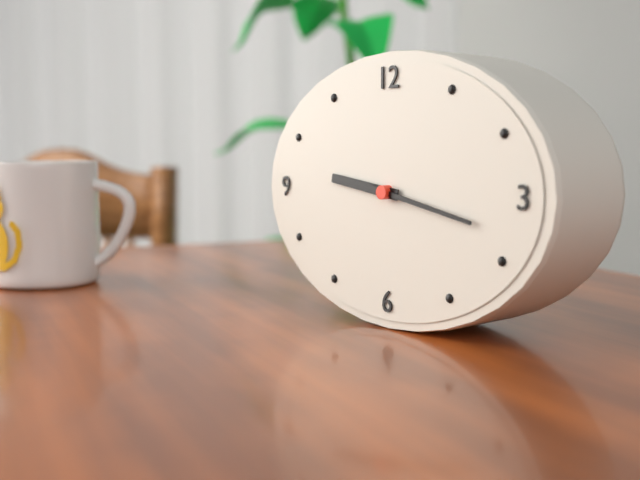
9:17
